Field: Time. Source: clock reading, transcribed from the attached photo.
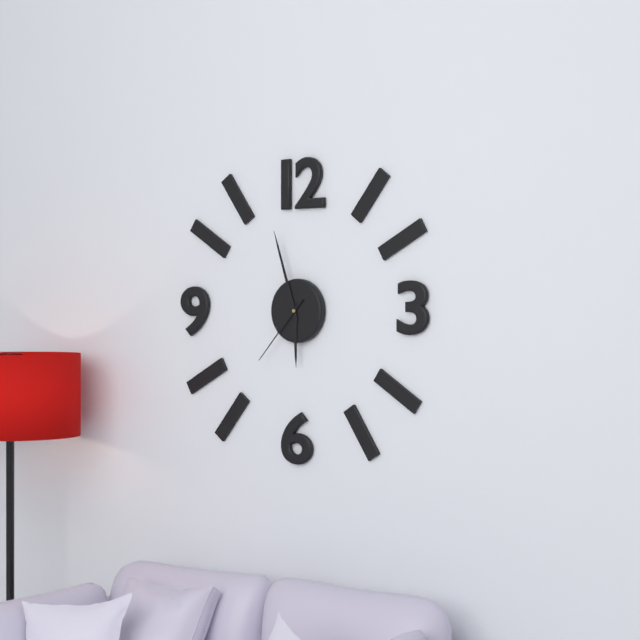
5:57:37
